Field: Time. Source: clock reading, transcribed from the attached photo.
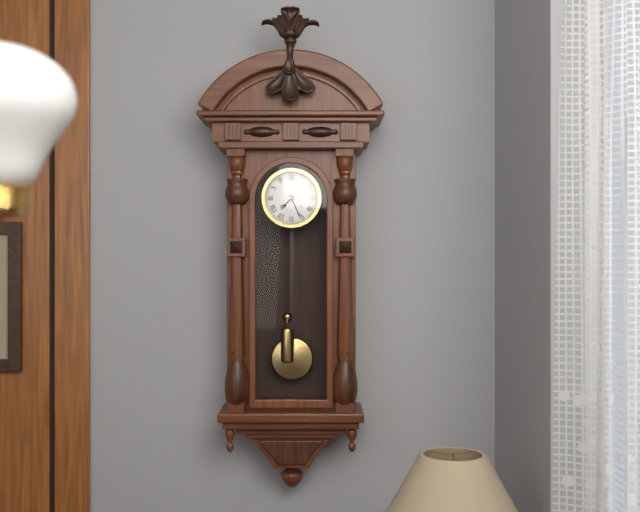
7:26
